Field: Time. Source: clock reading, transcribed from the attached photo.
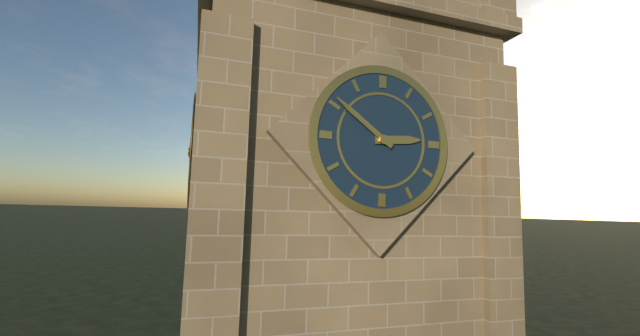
2:51
